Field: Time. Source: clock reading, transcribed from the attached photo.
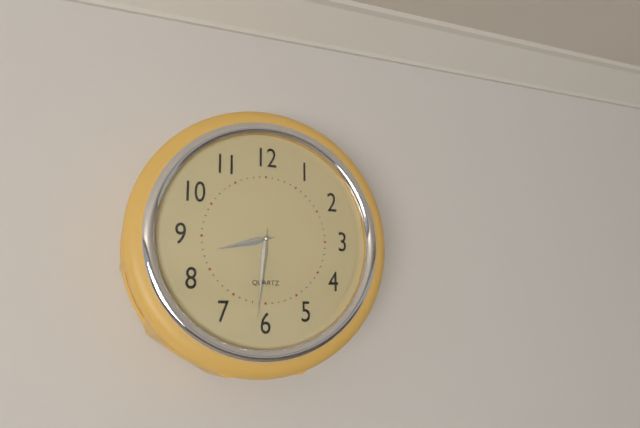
8:31
